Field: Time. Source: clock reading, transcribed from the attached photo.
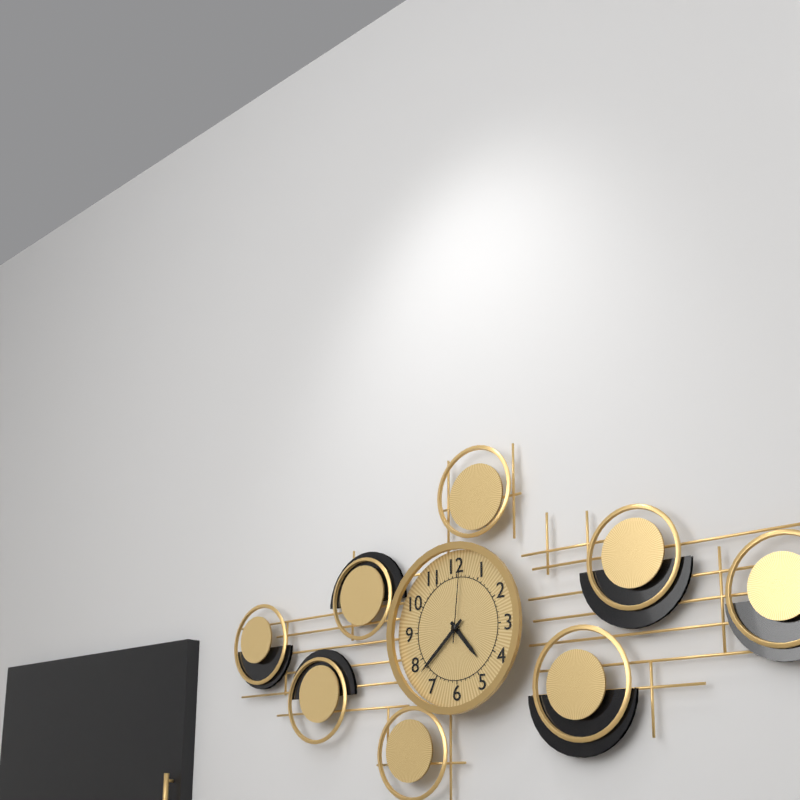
4:38:01
